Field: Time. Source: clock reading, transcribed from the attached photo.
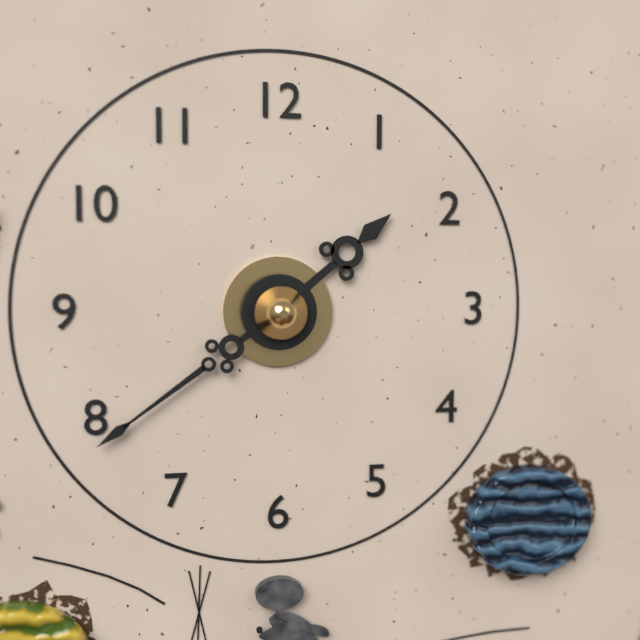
1:39
